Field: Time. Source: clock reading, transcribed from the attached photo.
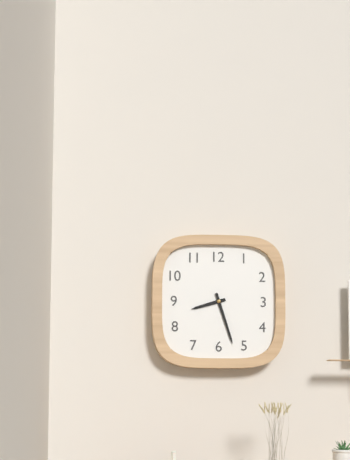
8:27
